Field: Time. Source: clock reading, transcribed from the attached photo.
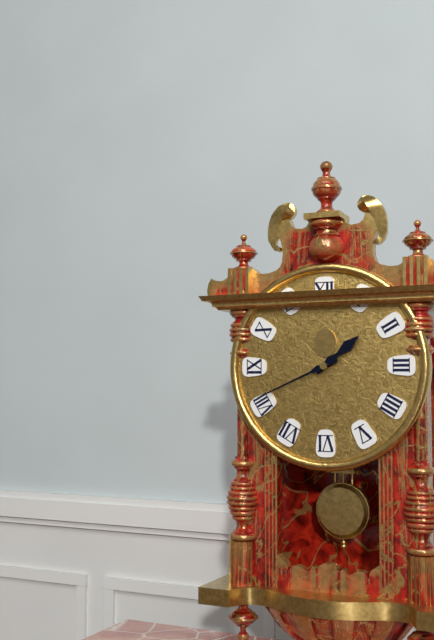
1:41
